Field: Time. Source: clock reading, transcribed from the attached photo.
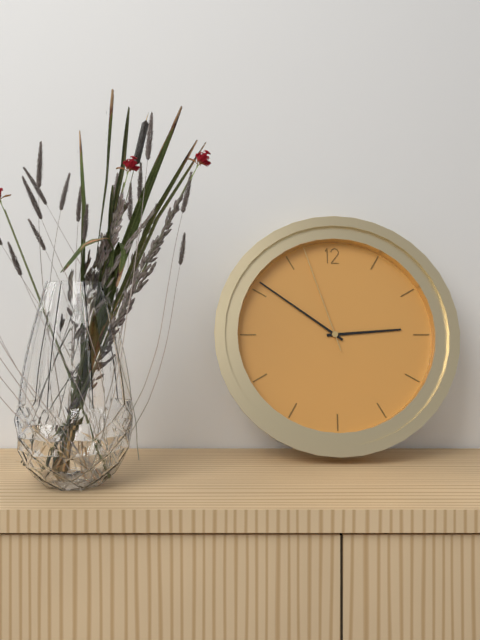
2:51:57
